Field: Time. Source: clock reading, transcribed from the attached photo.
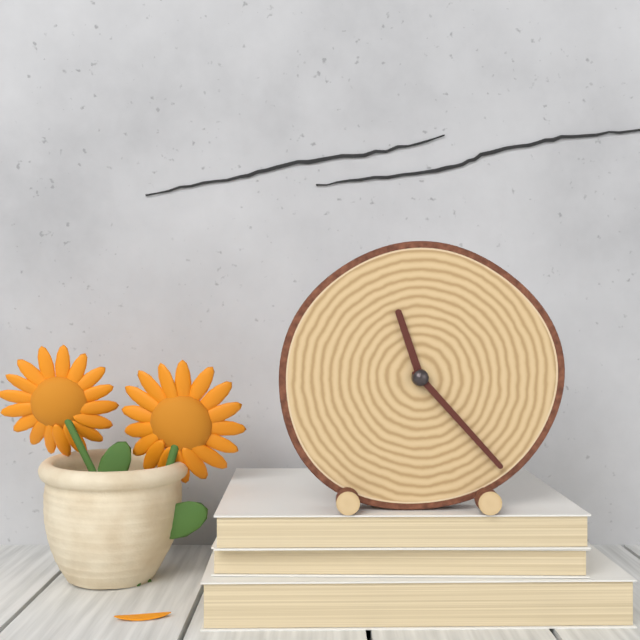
11:23
